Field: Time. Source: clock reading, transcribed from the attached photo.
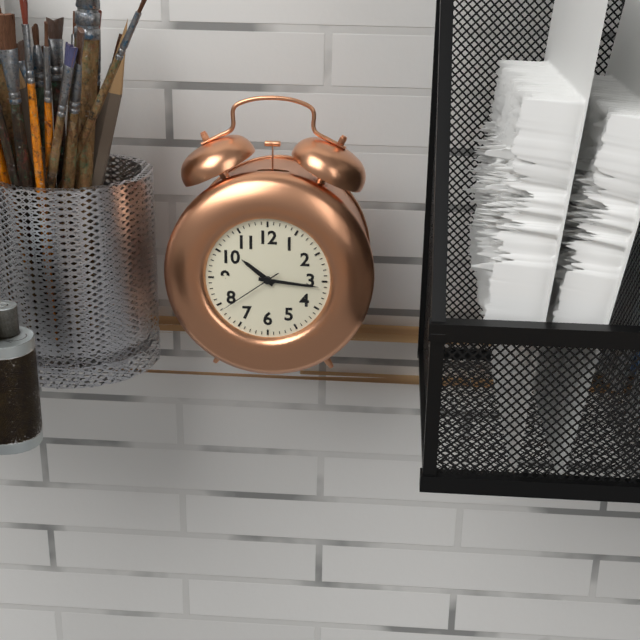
10:16:39
